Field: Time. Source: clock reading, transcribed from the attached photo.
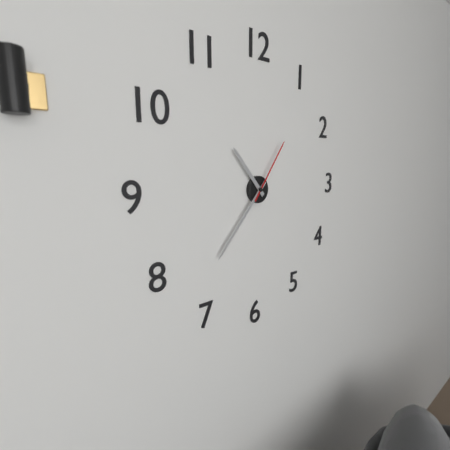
10:37:06
